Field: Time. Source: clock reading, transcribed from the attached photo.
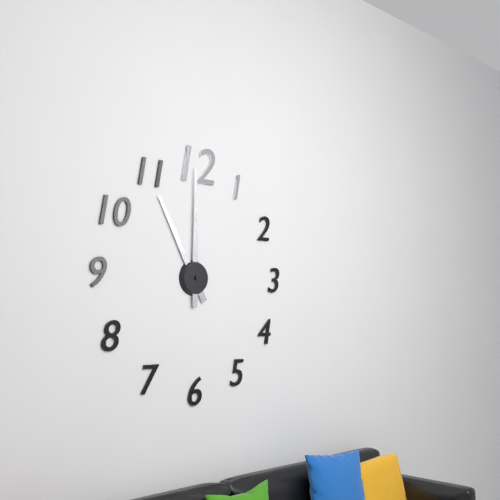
11:00
